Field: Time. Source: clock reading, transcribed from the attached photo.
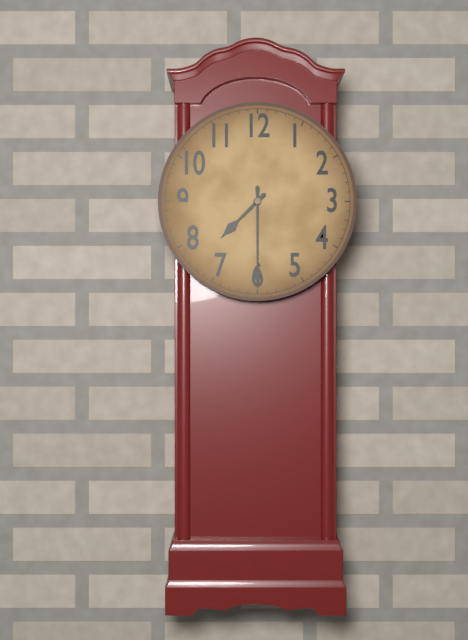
7:30
